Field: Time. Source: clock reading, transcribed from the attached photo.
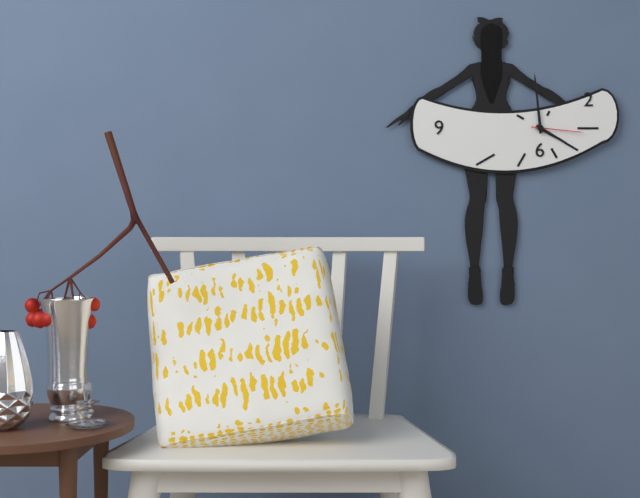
3:59:16
